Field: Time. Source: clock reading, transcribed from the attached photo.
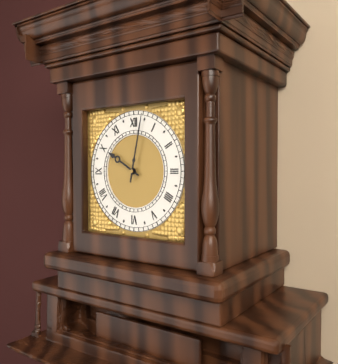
10:02
